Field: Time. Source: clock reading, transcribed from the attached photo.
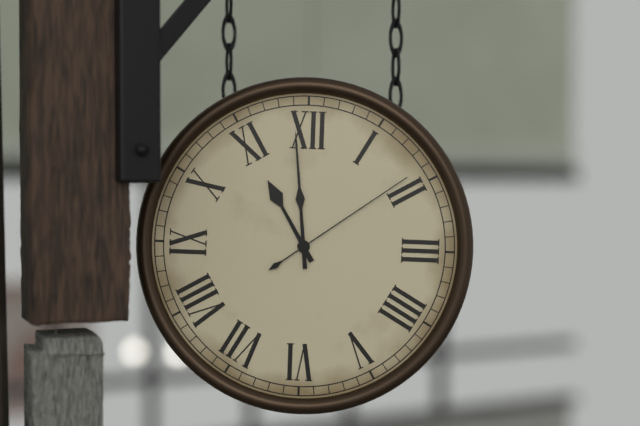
10:59:09
